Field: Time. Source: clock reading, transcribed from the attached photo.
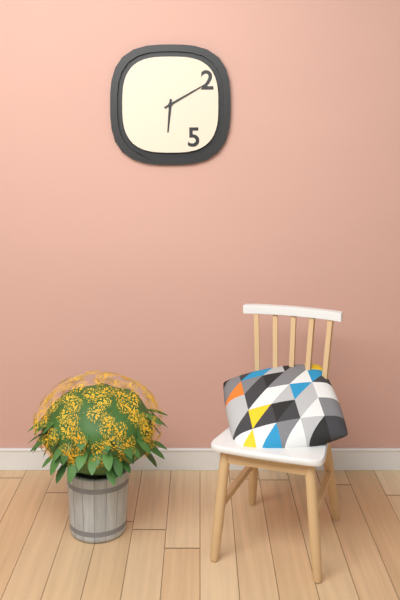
6:10
